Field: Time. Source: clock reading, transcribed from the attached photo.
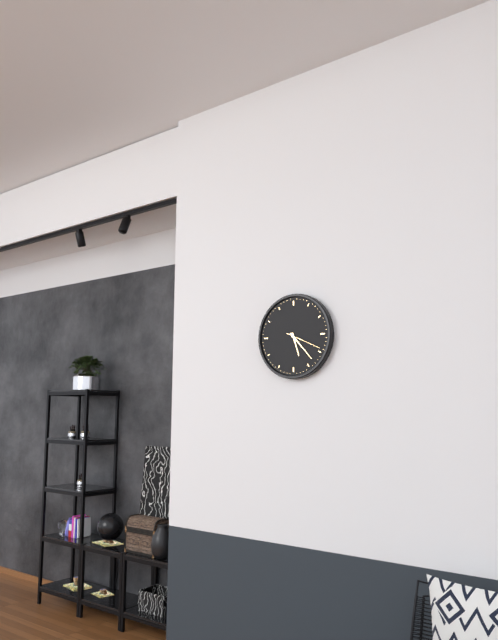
5:23
